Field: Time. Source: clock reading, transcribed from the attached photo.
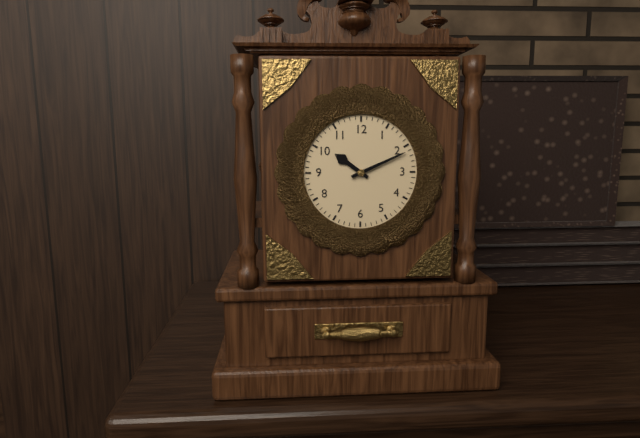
10:11
